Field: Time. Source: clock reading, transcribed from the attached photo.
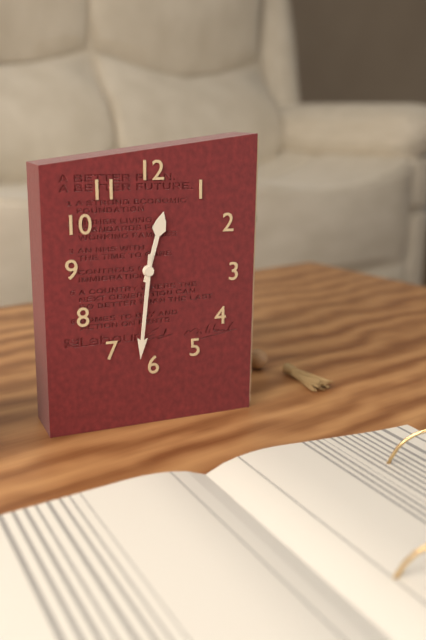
12:31
